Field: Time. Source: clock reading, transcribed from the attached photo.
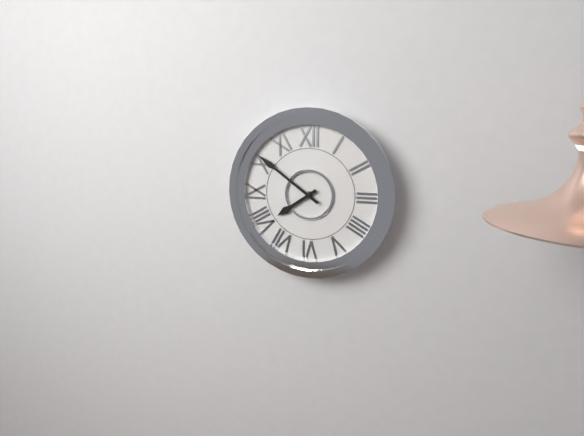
7:51
